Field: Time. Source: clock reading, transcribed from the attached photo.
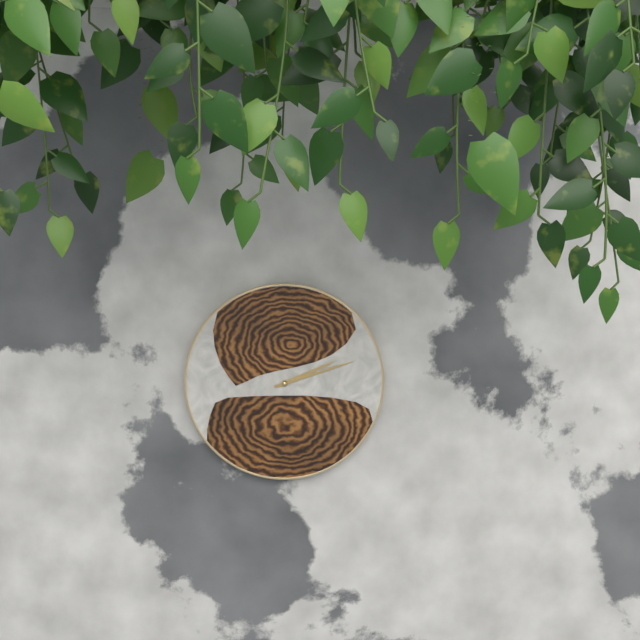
2:12
